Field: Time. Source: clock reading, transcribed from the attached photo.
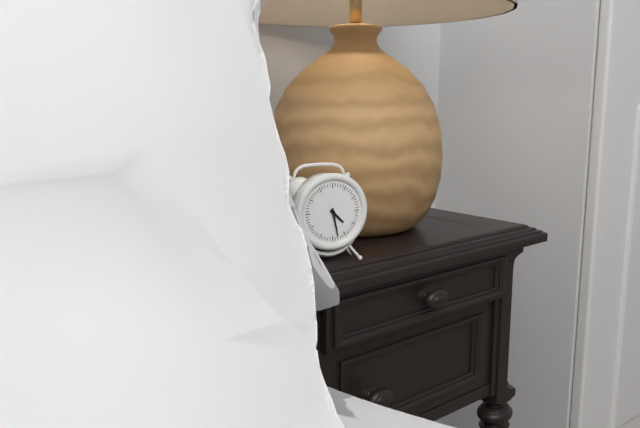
4:28
